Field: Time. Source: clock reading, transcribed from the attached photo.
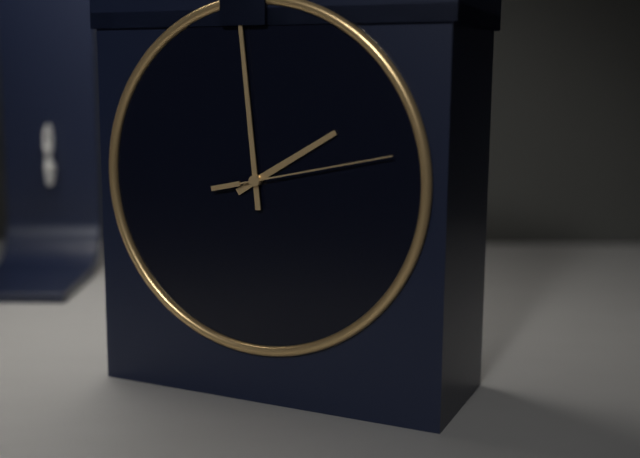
1:59:13
